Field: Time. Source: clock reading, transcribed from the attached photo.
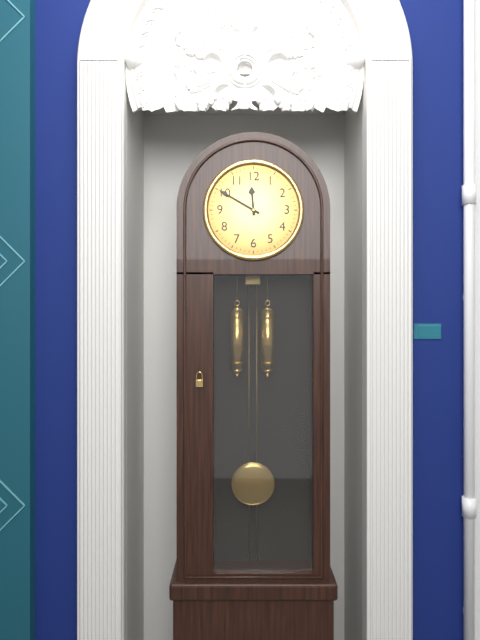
11:50
